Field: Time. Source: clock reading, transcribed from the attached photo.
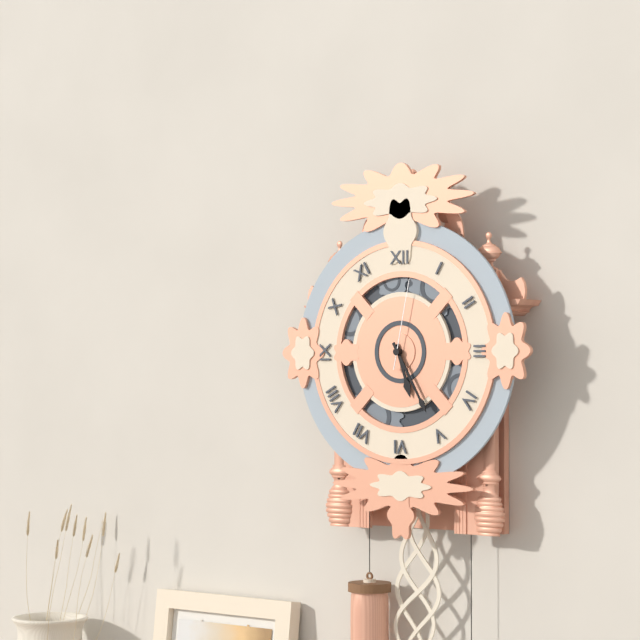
5:25:02
